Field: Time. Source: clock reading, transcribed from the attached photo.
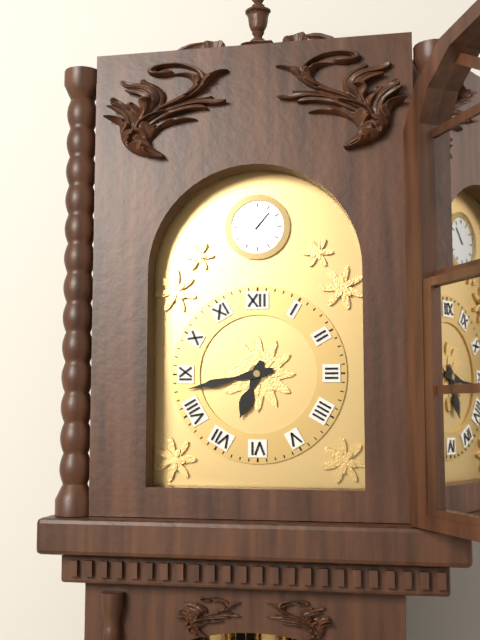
6:43
